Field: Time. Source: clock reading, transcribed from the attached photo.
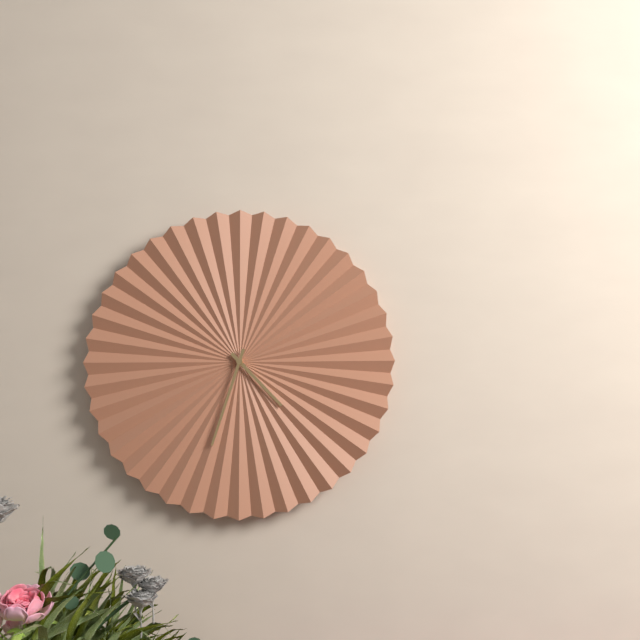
4:33
